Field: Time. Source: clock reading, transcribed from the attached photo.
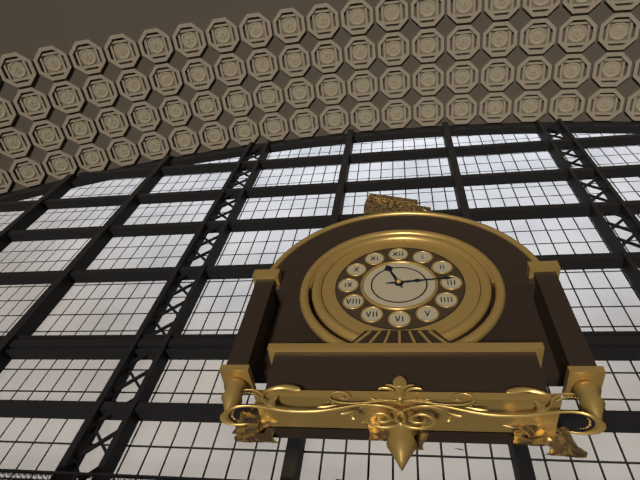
11:14
